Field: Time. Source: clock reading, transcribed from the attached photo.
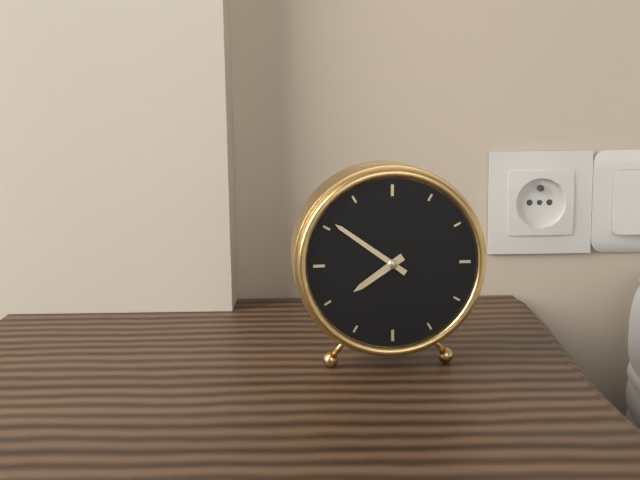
7:51
